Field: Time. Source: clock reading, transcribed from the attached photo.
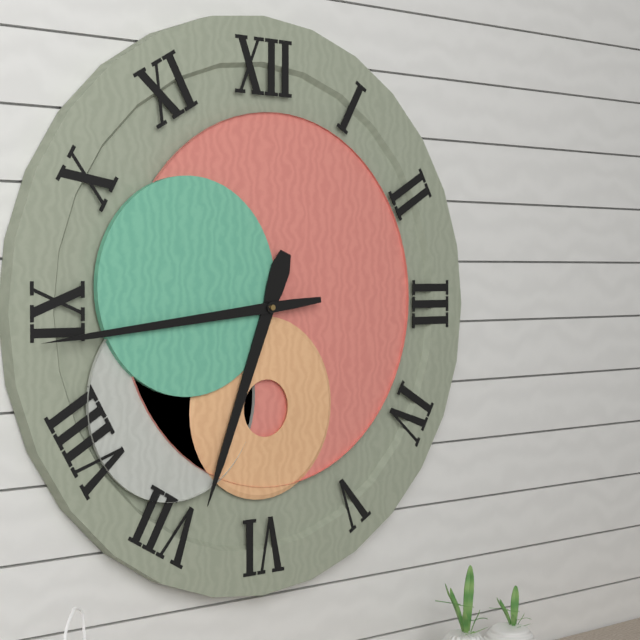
6:44
